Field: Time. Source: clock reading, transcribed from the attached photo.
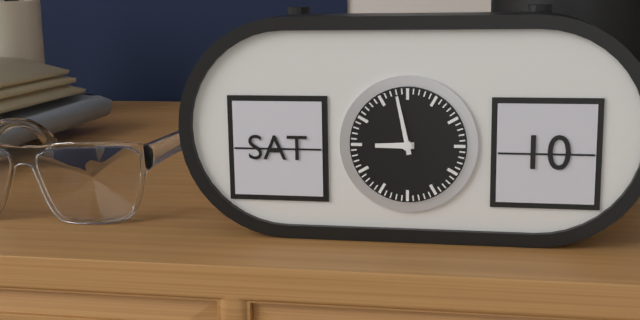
8:58
